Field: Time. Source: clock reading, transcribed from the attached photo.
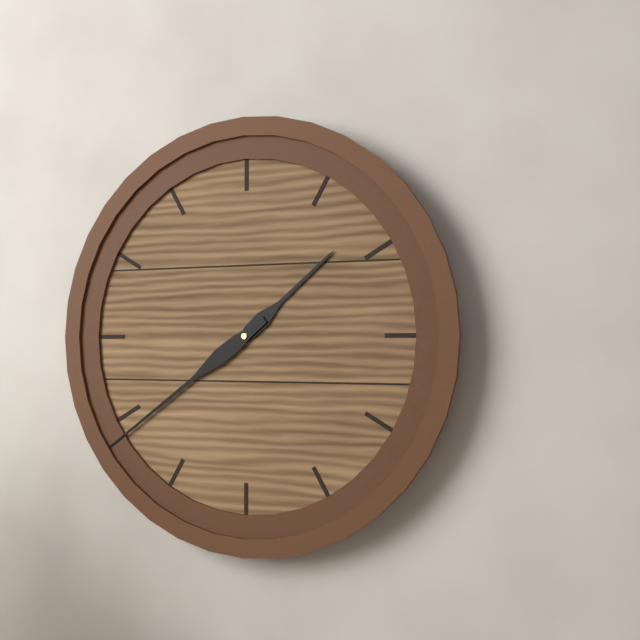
1:39
